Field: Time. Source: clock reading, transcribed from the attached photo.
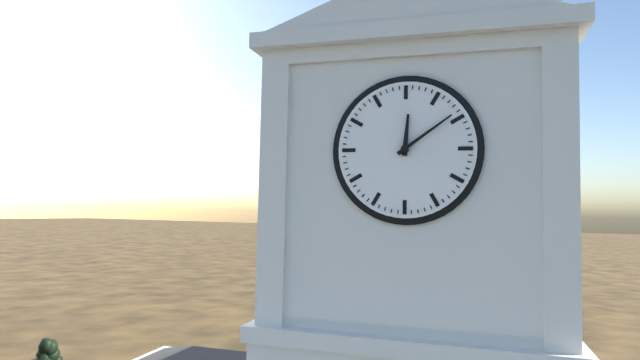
12:09
